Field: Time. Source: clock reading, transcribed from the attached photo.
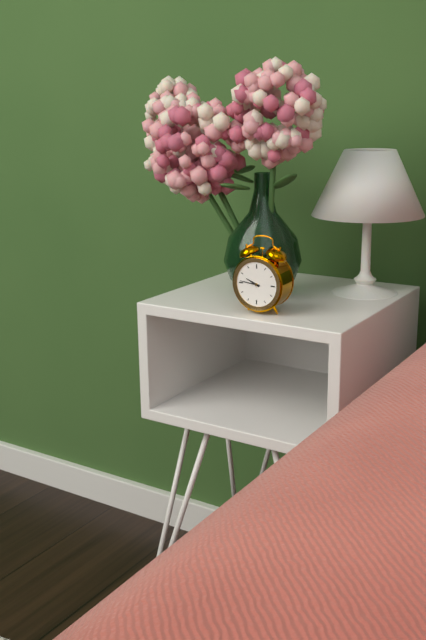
9:46
